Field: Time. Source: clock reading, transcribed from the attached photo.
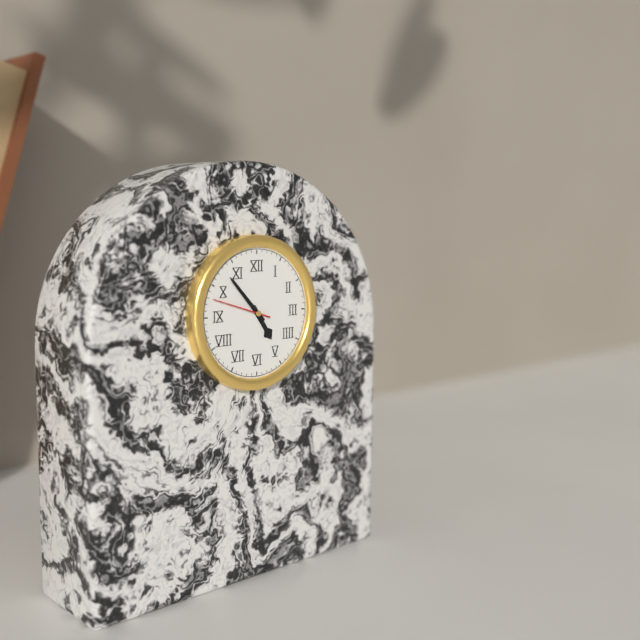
4:53:48
